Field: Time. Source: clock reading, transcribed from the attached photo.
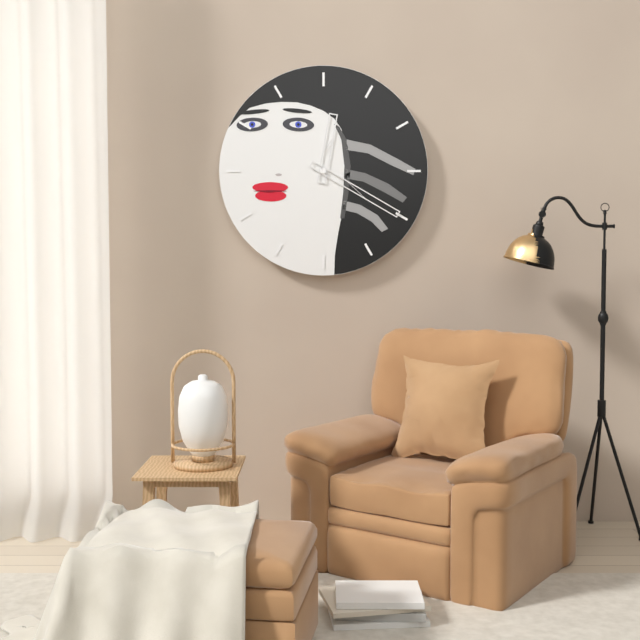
12:20
